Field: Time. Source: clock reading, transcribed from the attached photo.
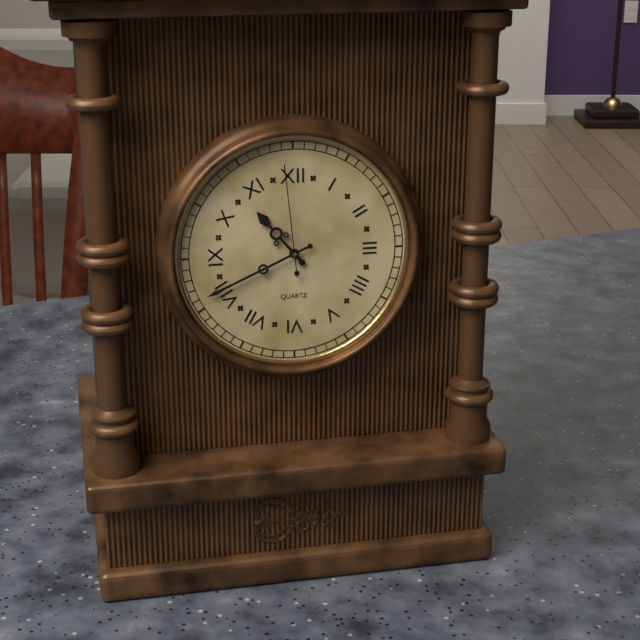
10:41:59
